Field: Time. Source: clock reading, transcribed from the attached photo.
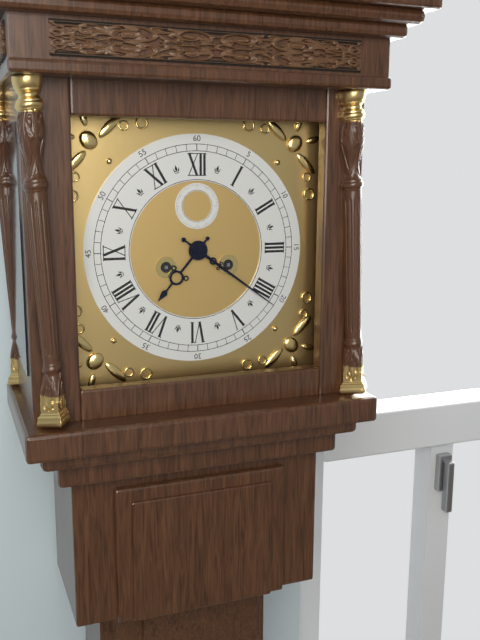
7:21
